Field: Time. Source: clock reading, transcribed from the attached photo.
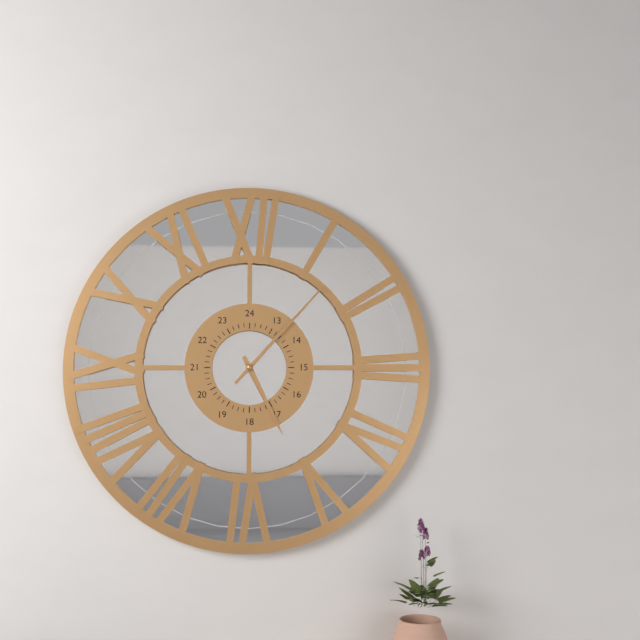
5:07
